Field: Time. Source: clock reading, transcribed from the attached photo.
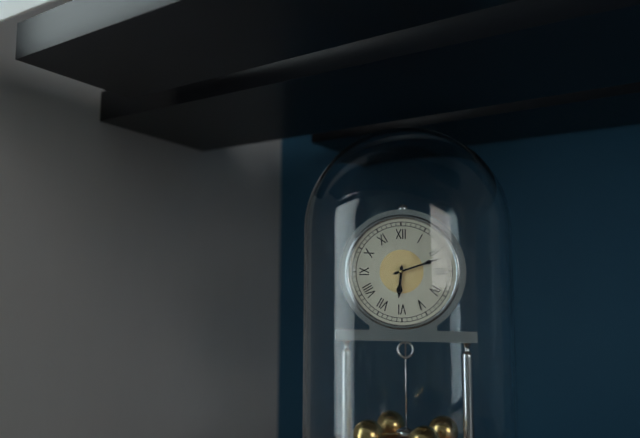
6:12
